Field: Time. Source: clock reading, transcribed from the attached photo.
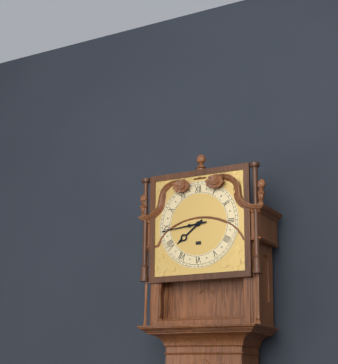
7:44
